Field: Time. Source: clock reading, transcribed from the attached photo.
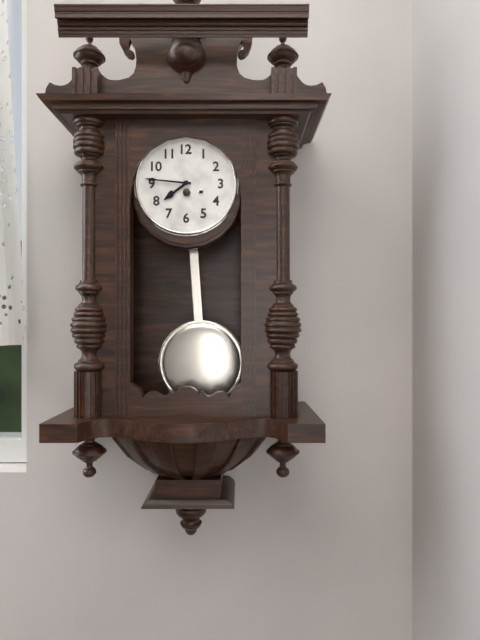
7:46
